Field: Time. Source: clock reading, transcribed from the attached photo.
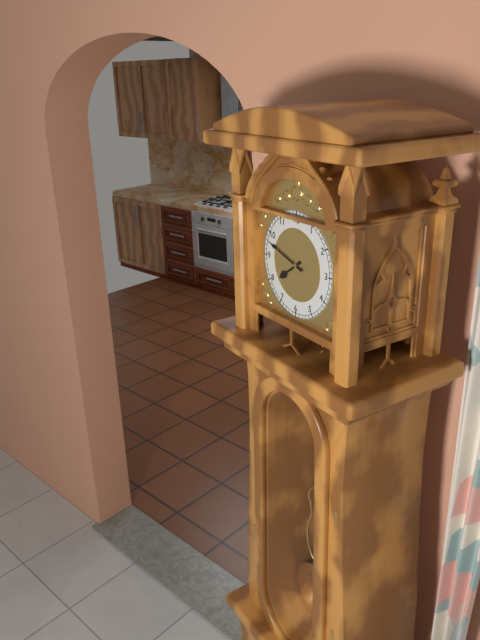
7:48
